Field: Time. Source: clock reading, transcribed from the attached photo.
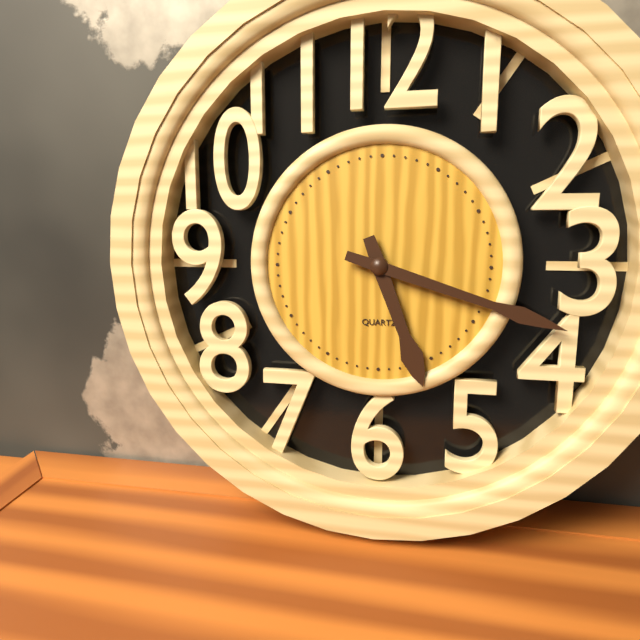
5:18
